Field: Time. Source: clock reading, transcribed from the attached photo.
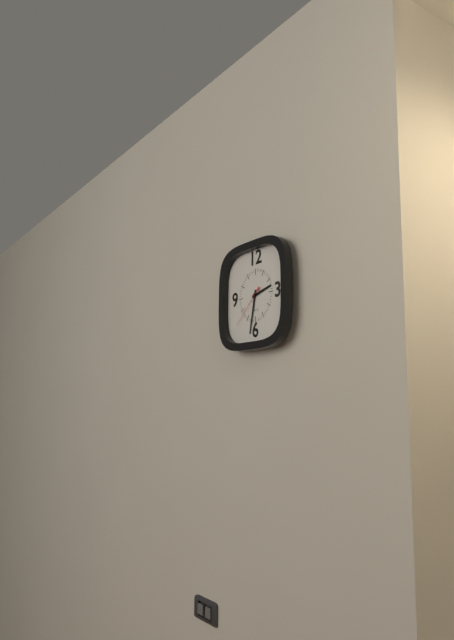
2:32
